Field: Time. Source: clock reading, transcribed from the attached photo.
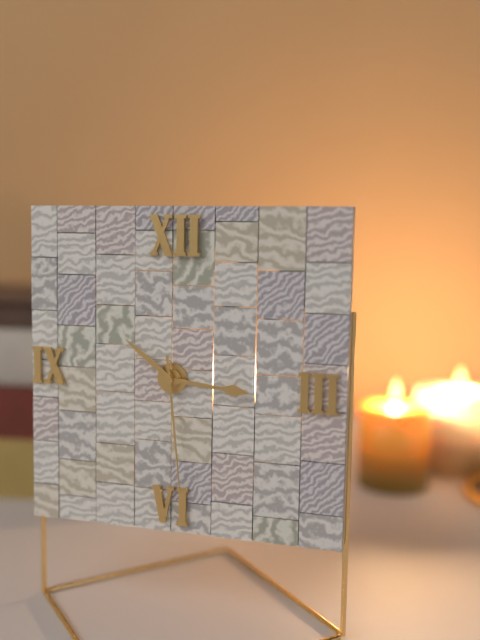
10:16:29
